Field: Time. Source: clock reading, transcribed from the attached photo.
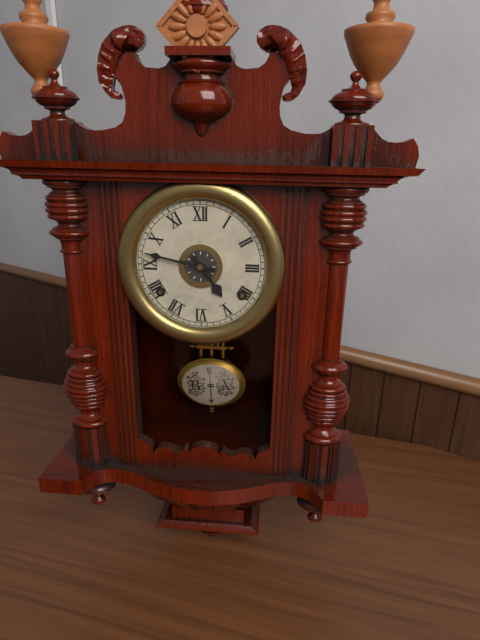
4:47
